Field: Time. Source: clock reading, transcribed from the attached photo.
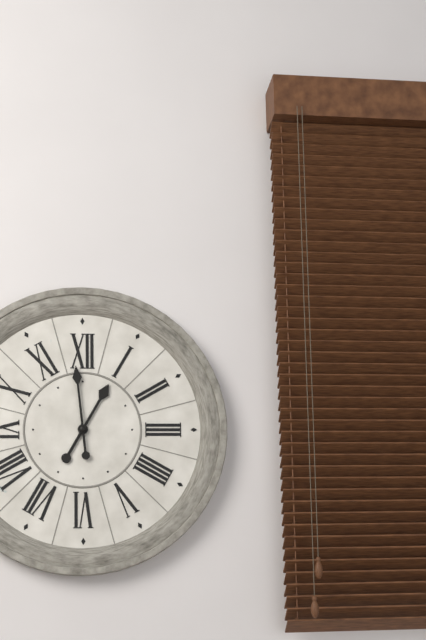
12:59
